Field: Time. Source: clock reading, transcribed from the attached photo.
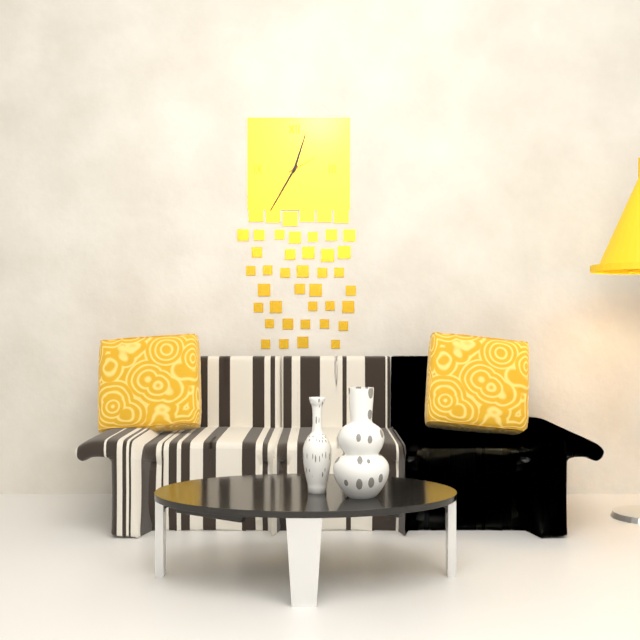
12:35
